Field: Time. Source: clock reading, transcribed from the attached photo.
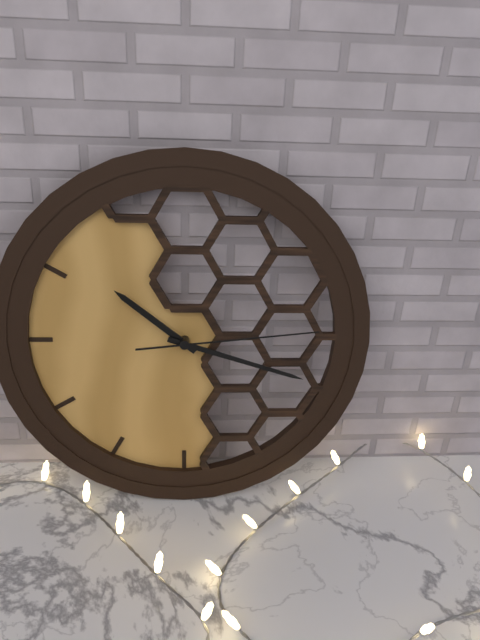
10:18:14
